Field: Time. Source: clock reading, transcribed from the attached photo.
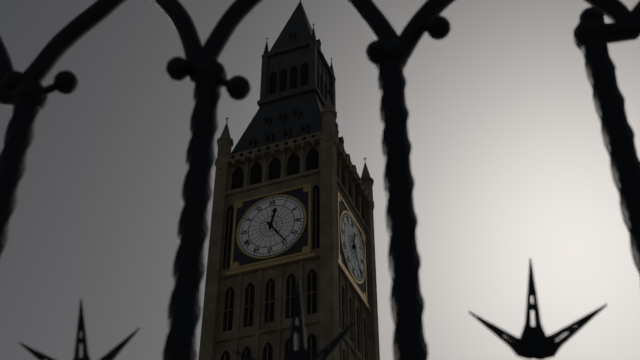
12:24
